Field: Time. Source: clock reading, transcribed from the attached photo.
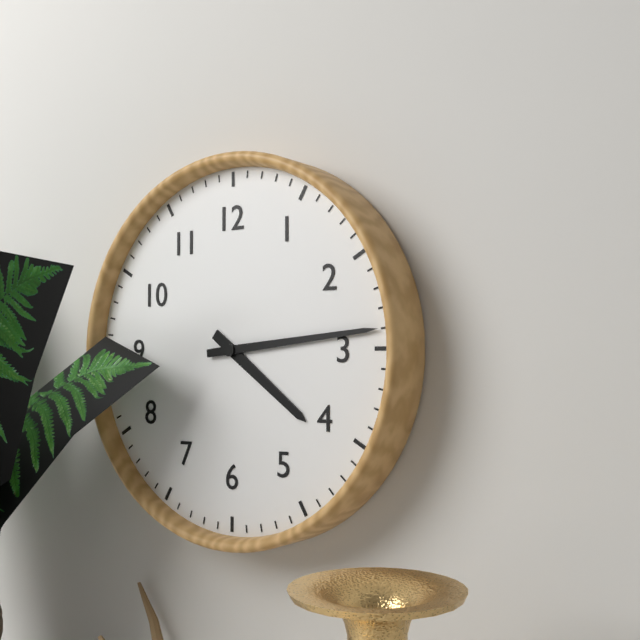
4:14
